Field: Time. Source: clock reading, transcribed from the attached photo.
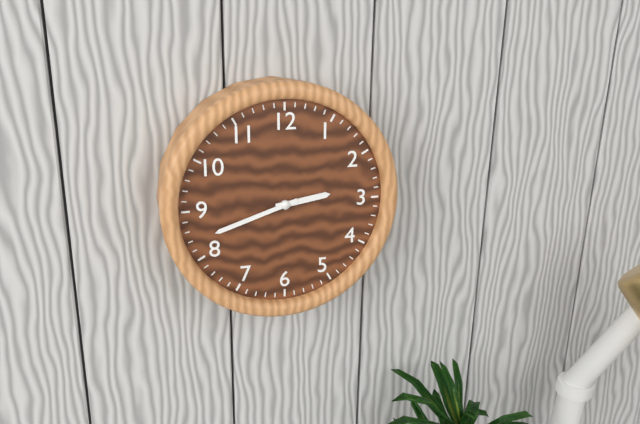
2:42
